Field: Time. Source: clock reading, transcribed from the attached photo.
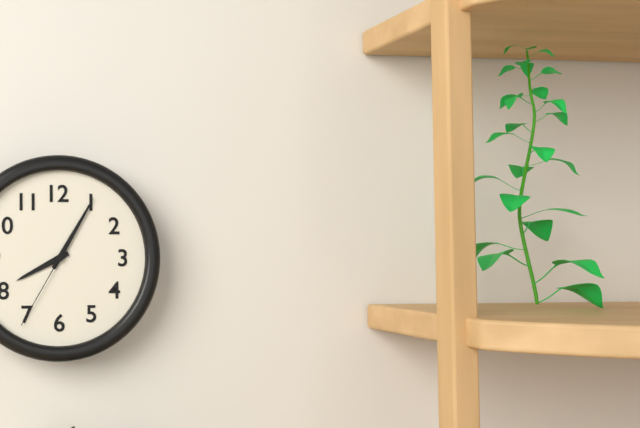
8:05:35
